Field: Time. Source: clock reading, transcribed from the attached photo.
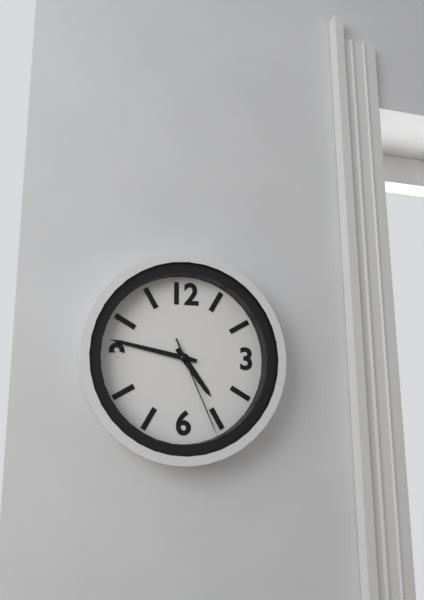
4:47:26
